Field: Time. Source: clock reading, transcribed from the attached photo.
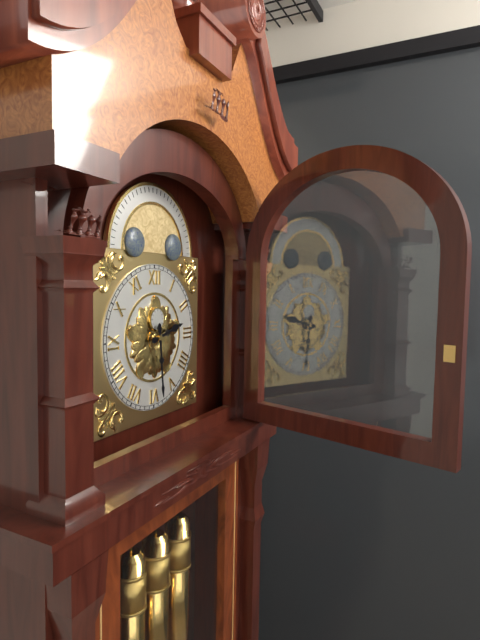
2:29
